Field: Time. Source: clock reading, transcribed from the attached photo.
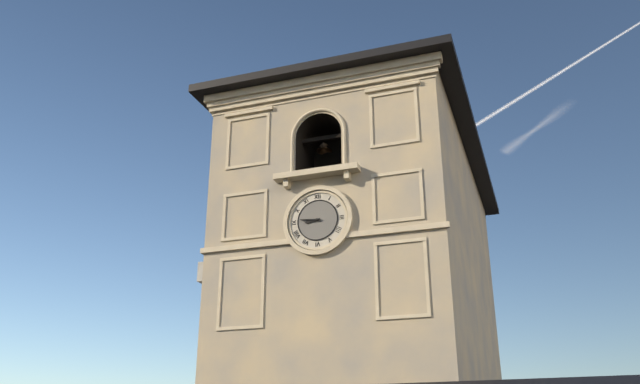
8:46
